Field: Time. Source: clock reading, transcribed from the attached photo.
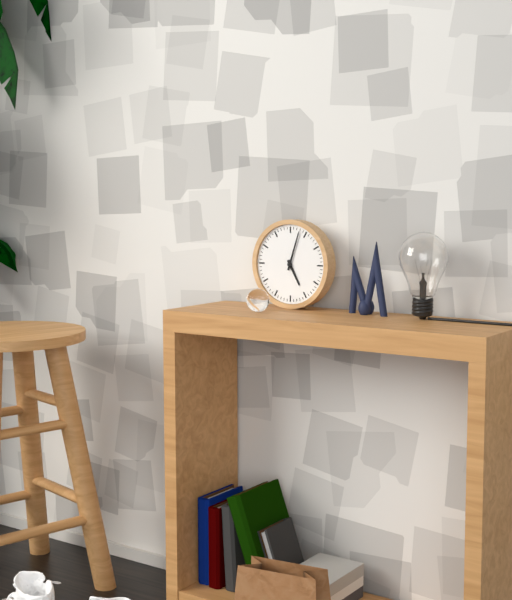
5:03
